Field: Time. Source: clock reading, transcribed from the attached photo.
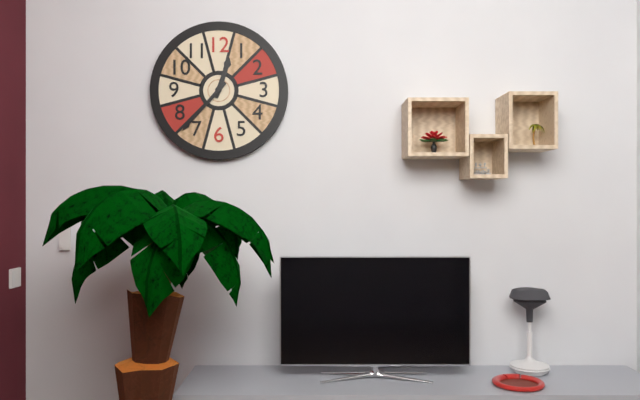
12:37
